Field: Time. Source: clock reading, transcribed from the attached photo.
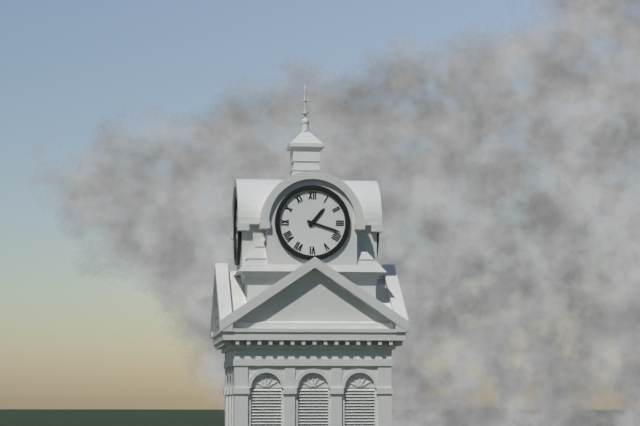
1:18
